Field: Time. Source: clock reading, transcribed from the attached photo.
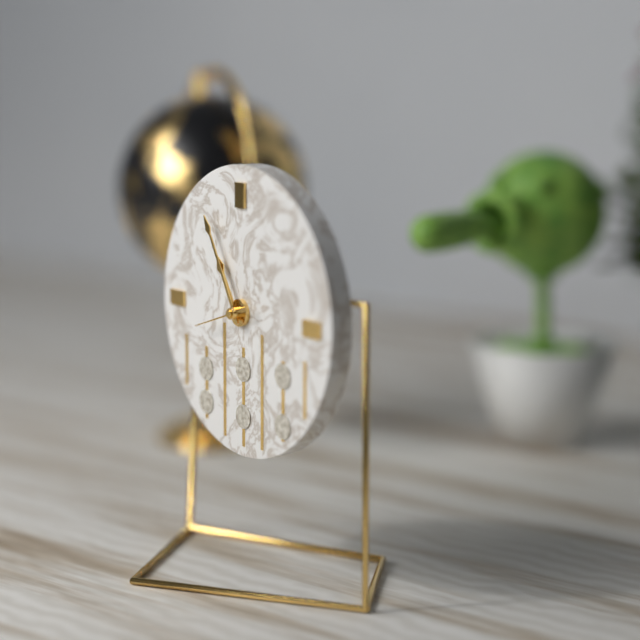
10:55:42
